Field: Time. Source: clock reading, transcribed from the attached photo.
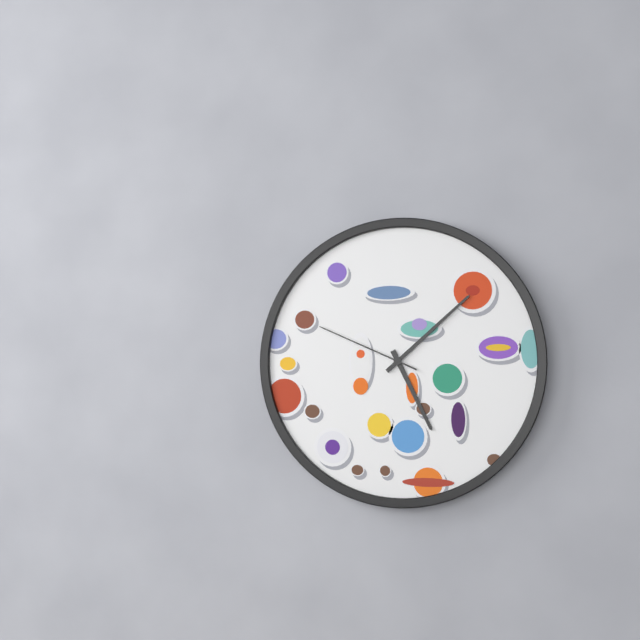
5:08:49
